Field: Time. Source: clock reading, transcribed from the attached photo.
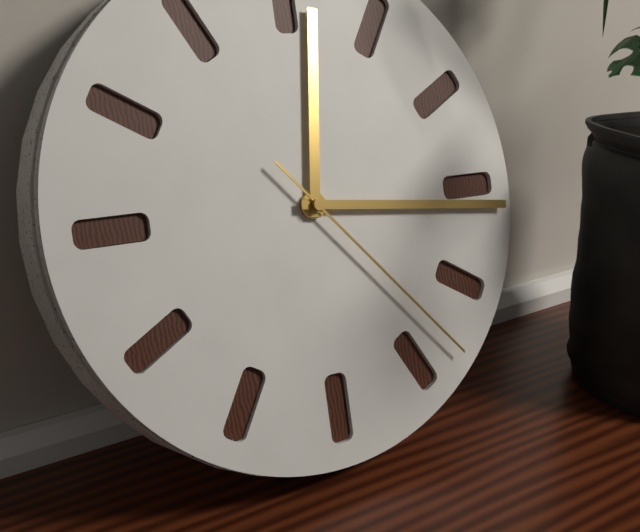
12:16:23
